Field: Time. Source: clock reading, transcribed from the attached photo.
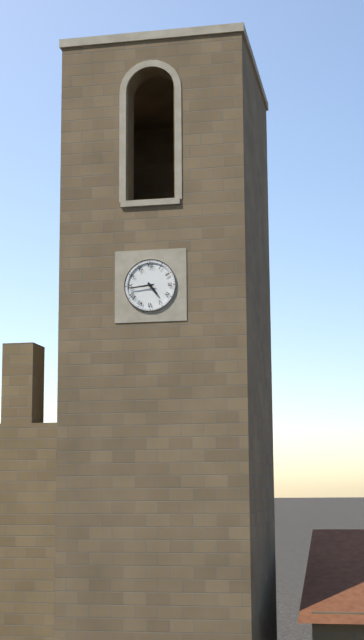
4:44
